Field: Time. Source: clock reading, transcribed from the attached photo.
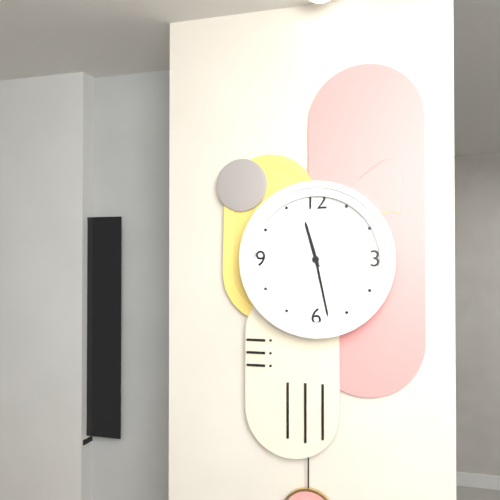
11:28
